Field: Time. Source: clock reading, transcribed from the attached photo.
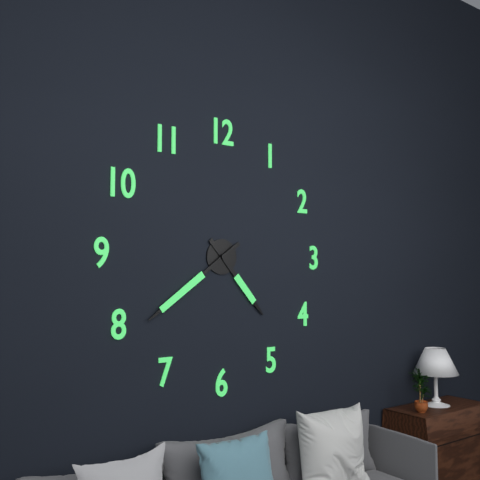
4:39
